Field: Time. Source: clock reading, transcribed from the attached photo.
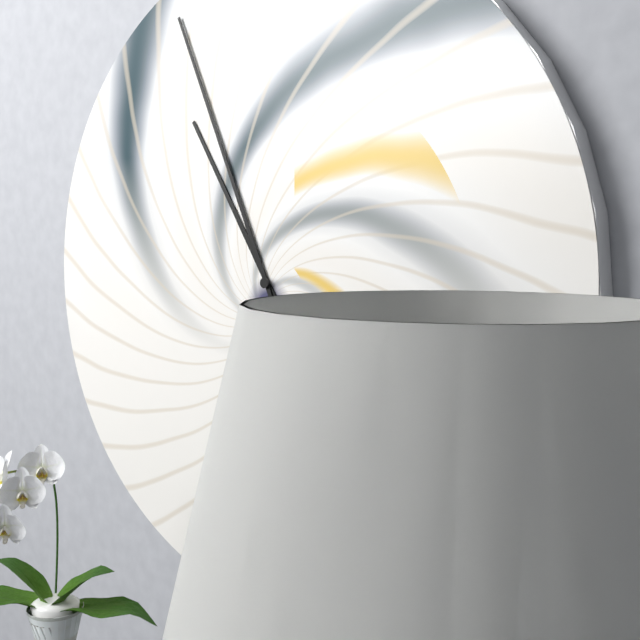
10:56
